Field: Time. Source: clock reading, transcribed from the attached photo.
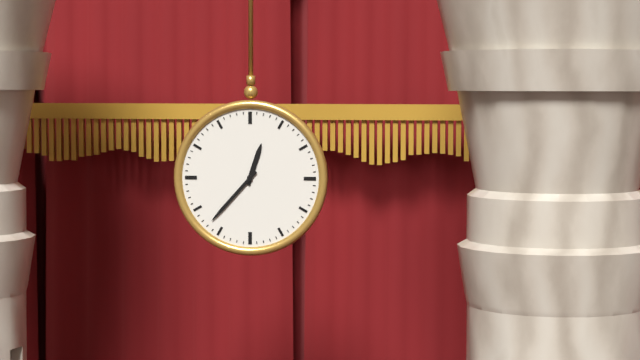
12:37
